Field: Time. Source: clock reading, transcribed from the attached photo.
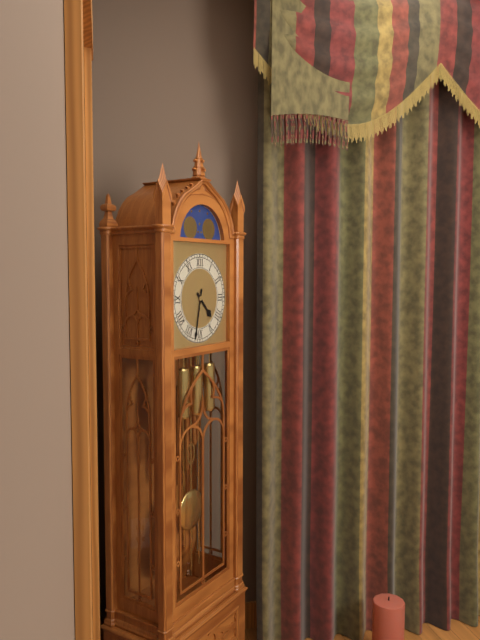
4:32
